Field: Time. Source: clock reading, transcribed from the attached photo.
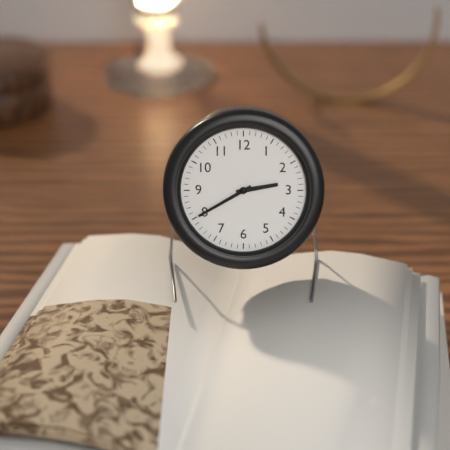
2:40
